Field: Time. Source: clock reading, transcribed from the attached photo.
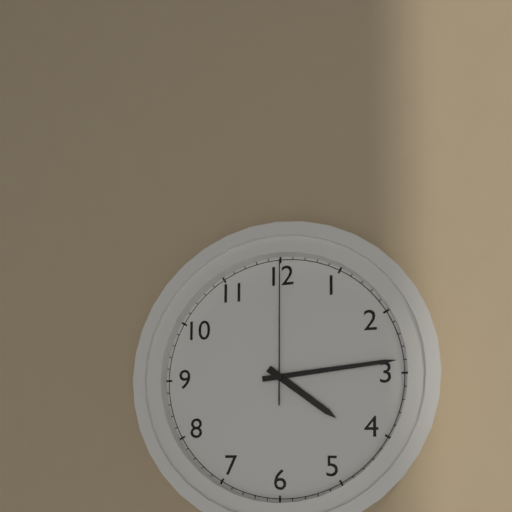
4:14:00
